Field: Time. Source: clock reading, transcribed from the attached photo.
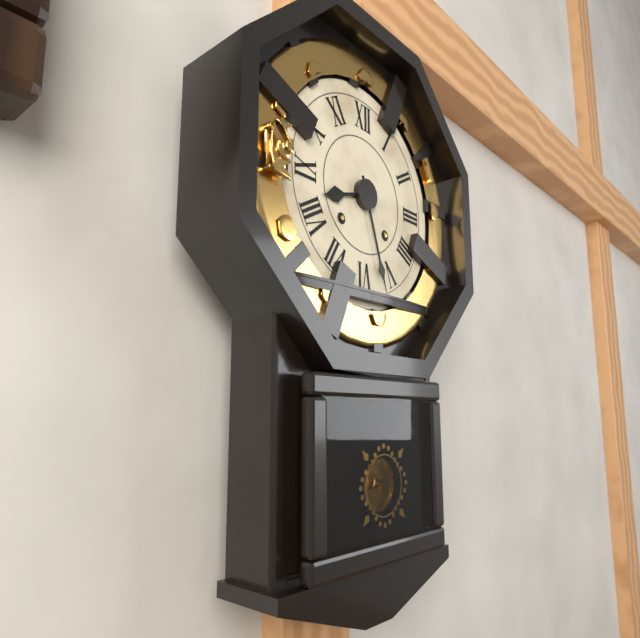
8:27
